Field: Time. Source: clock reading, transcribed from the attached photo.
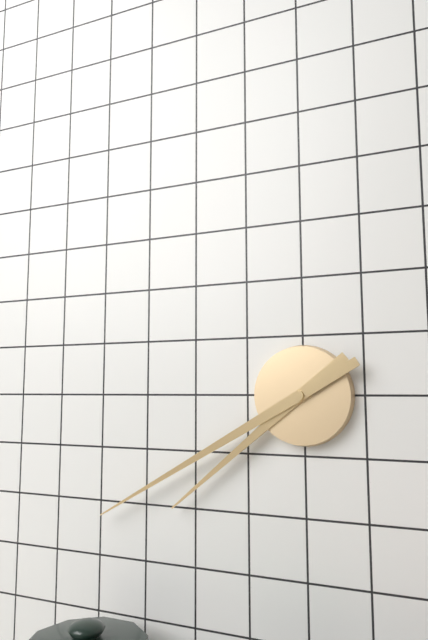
7:40
